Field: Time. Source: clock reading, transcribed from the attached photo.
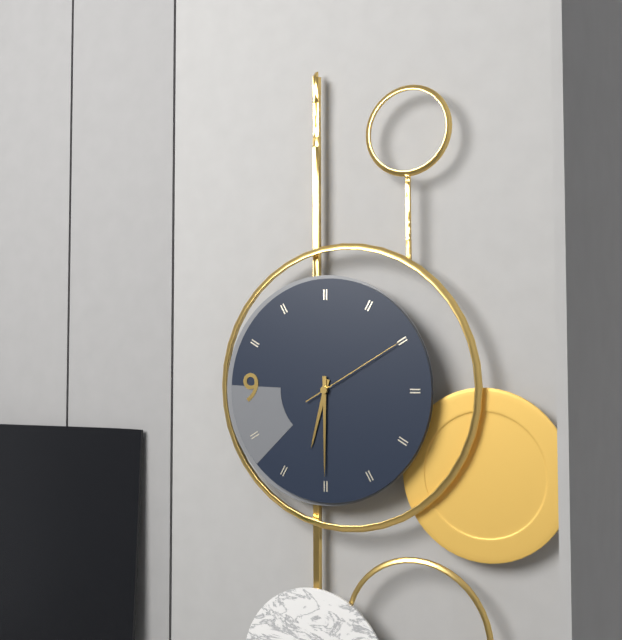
6:30:10
